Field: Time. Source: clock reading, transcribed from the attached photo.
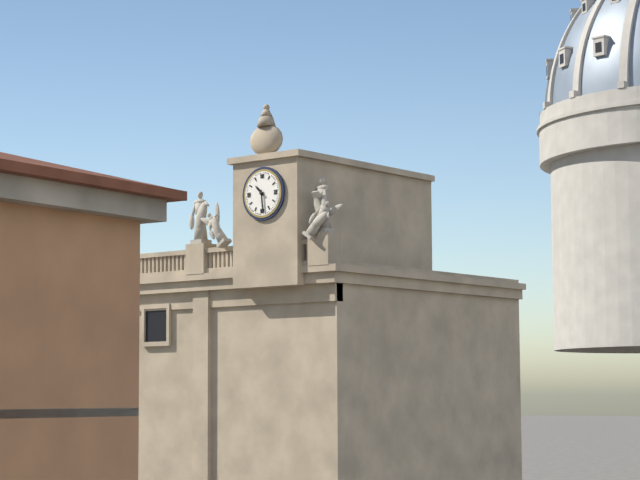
10:29
